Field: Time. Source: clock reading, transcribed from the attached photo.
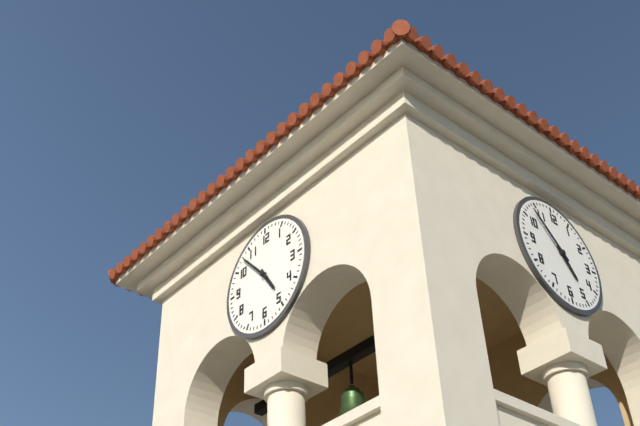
4:53
